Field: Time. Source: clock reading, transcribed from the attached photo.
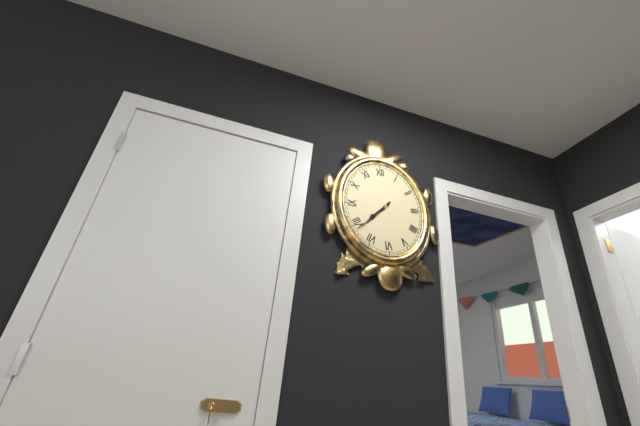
7:38
